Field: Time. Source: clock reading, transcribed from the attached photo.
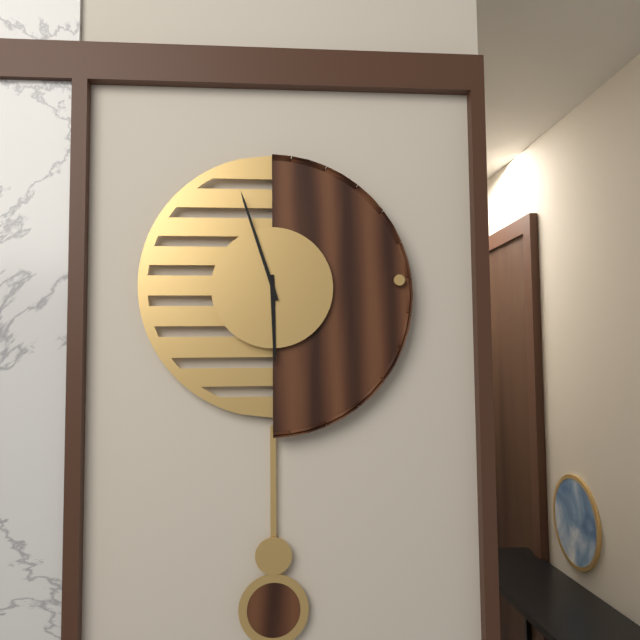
5:57
